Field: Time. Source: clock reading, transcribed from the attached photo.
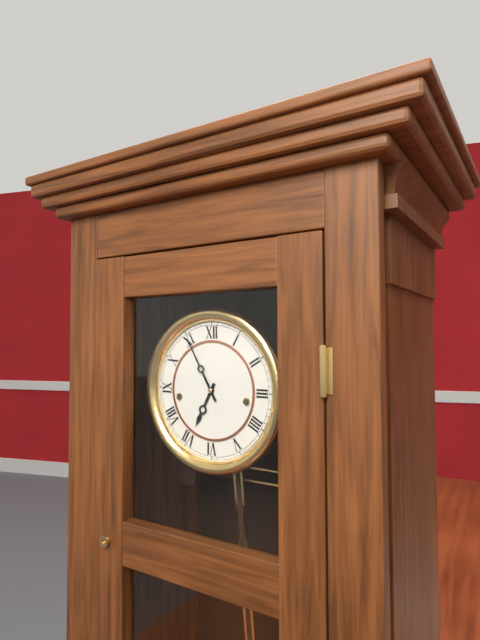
6:55
